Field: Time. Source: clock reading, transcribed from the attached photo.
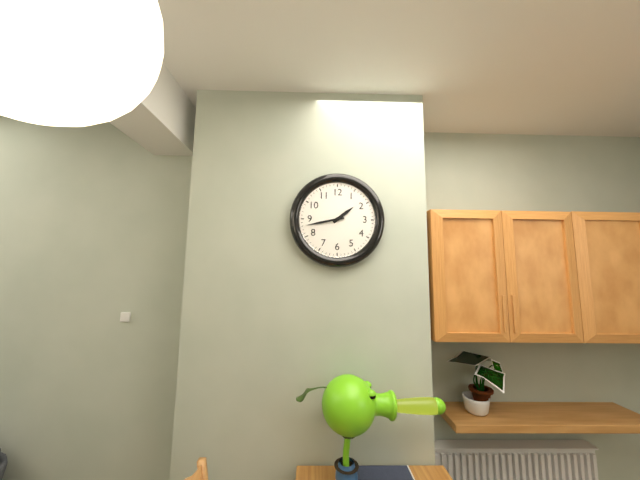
1:43
